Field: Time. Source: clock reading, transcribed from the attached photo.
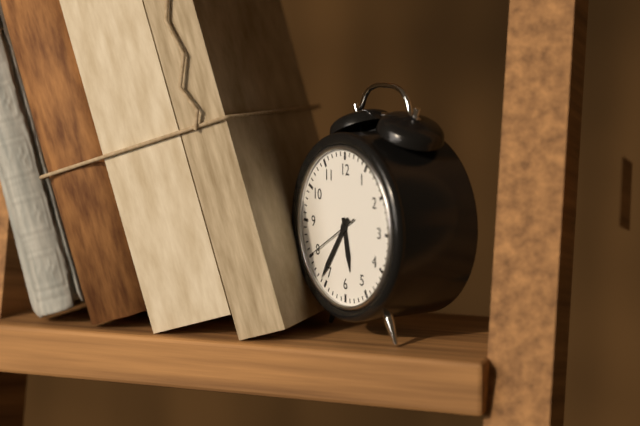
5:36:40
